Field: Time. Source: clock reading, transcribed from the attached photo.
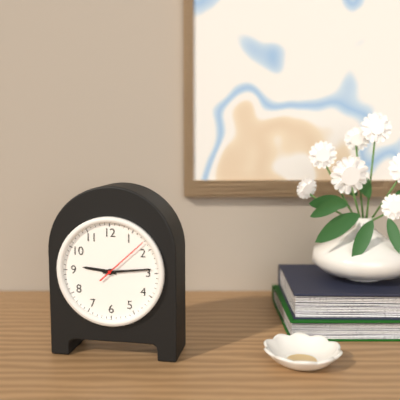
9:14
